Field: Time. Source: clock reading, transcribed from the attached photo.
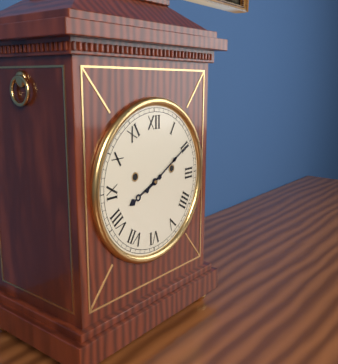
8:10
